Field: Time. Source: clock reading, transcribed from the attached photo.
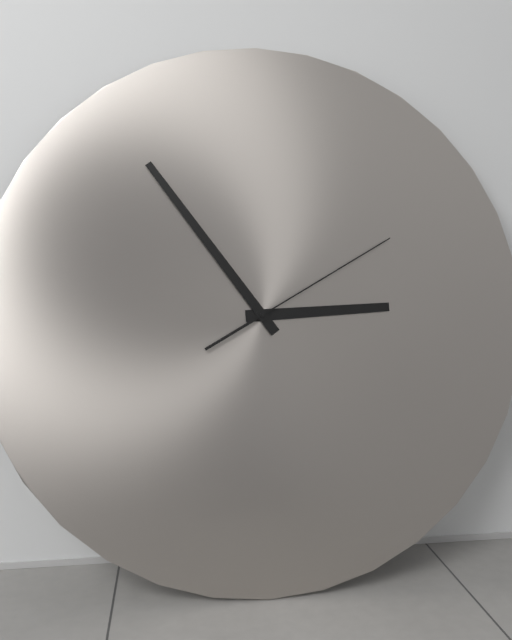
2:54:10
